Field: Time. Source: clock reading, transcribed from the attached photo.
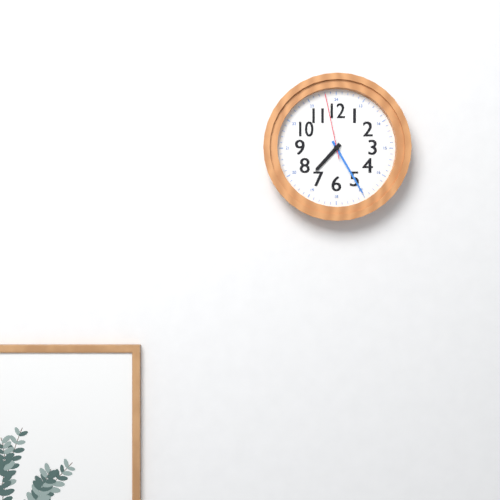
7:25:58
